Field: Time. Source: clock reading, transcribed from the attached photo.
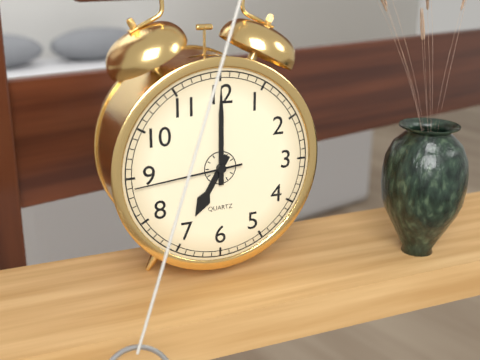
7:00:44
